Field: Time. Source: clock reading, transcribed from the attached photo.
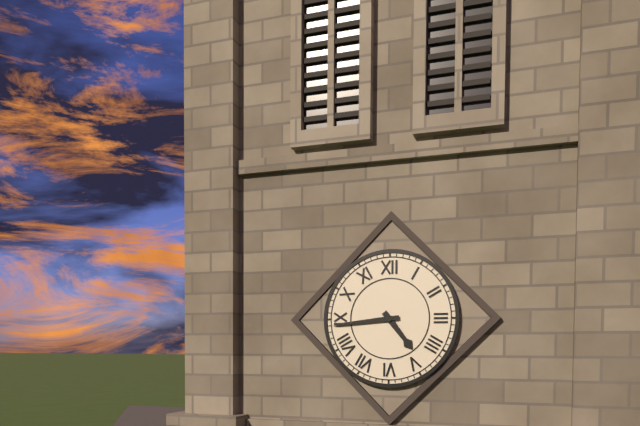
4:44
